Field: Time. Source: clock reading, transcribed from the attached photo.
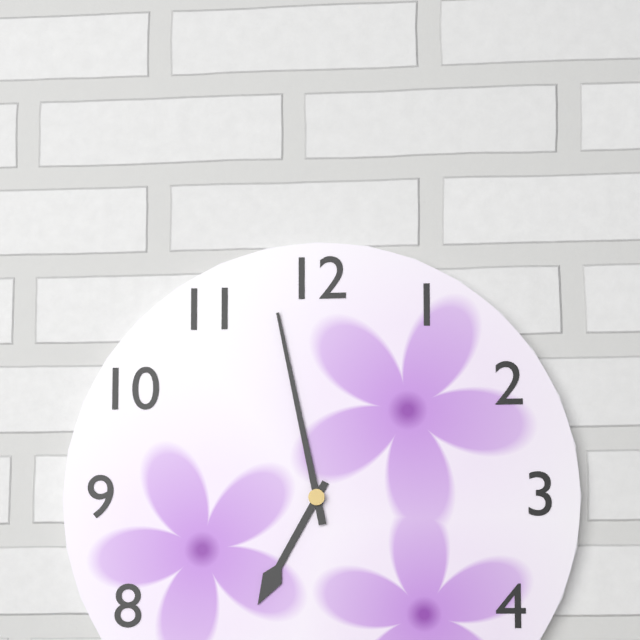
6:58
